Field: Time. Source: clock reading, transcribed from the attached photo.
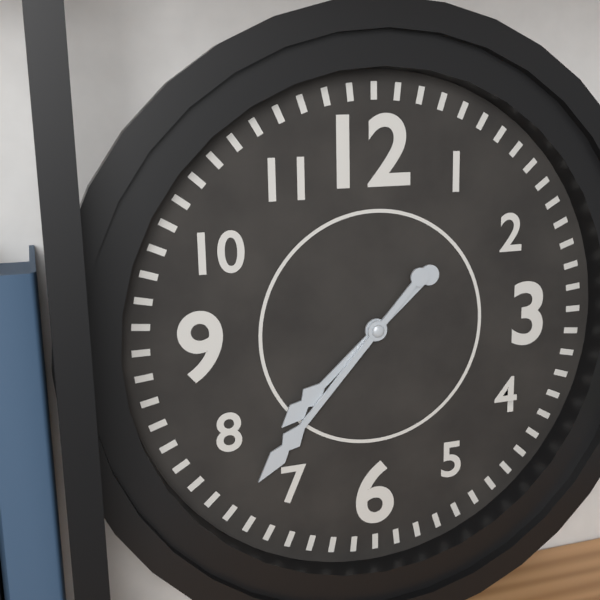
7:37
